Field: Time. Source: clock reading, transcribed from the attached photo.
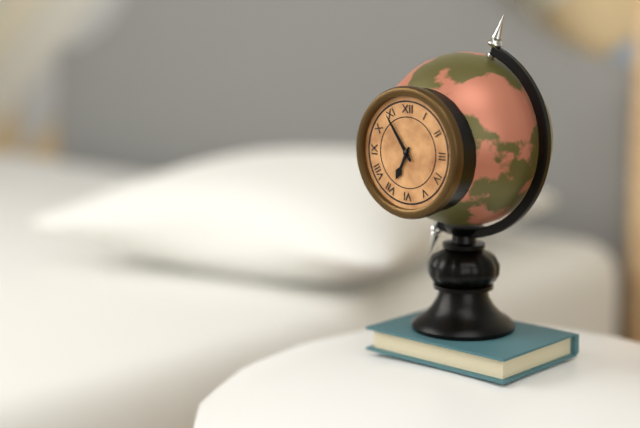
6:54
